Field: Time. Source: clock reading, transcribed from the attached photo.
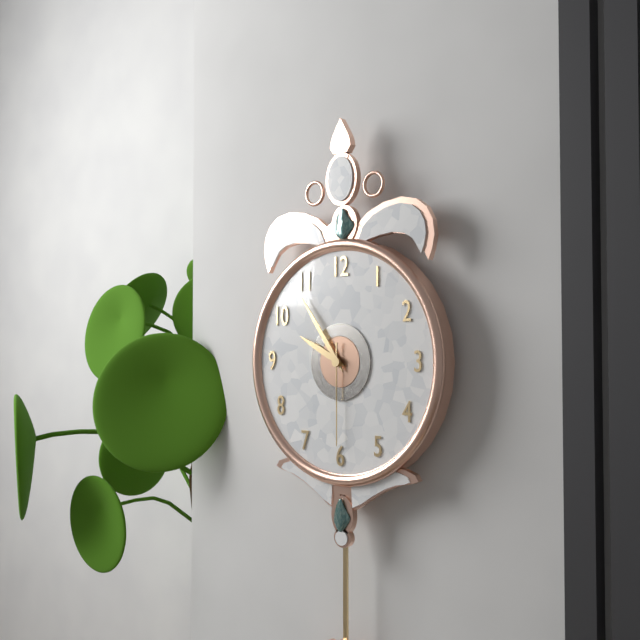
9:54:30
